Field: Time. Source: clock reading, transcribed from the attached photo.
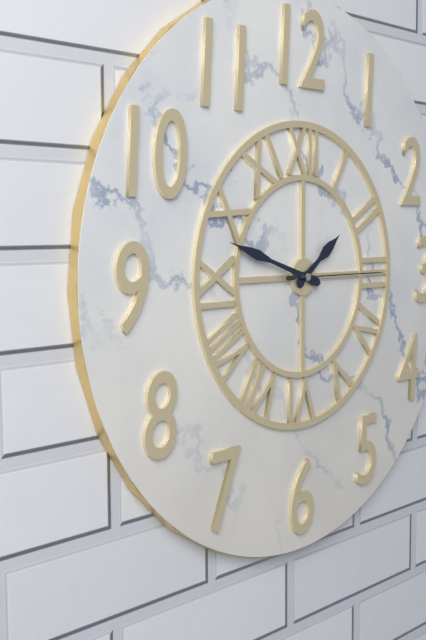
1:48:15
